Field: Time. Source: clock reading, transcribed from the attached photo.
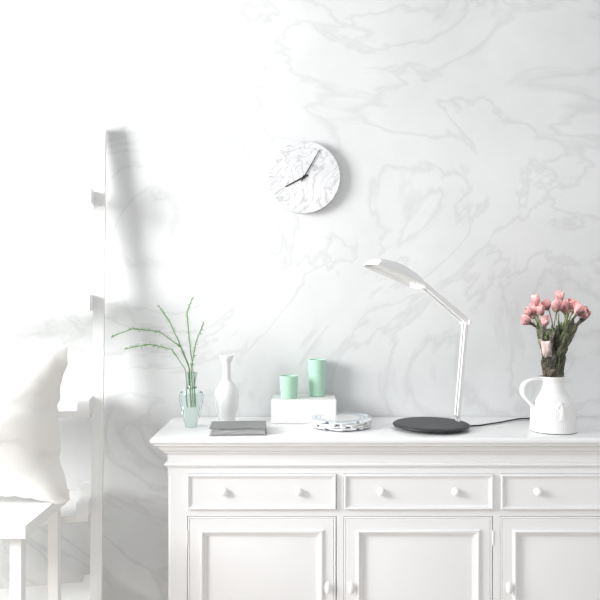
8:05
